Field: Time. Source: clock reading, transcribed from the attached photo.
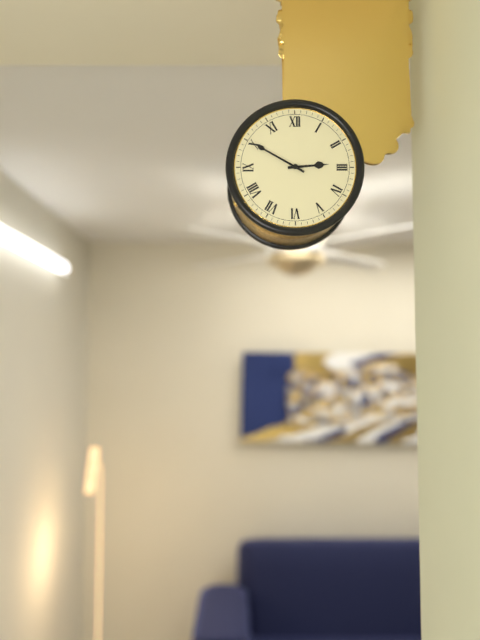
2:50
